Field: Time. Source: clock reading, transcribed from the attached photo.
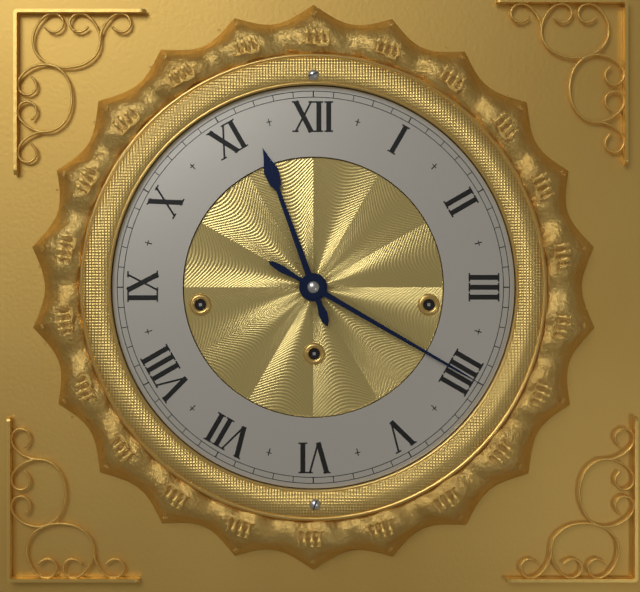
11:20
